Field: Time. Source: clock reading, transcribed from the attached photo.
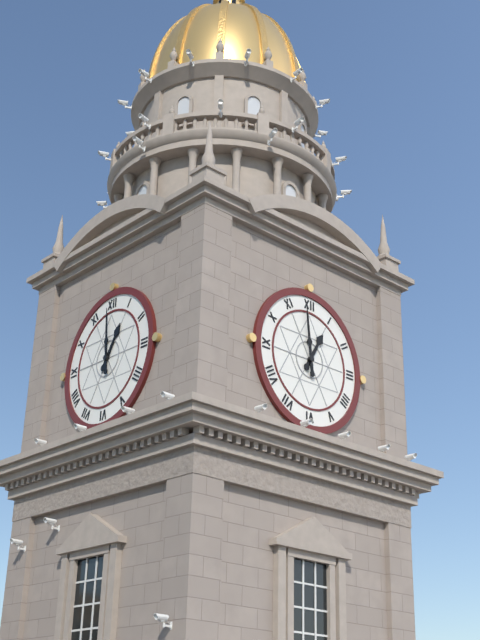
12:59
